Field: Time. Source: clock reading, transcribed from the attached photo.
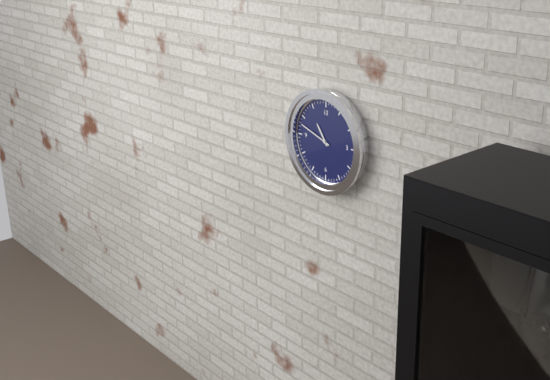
10:48
